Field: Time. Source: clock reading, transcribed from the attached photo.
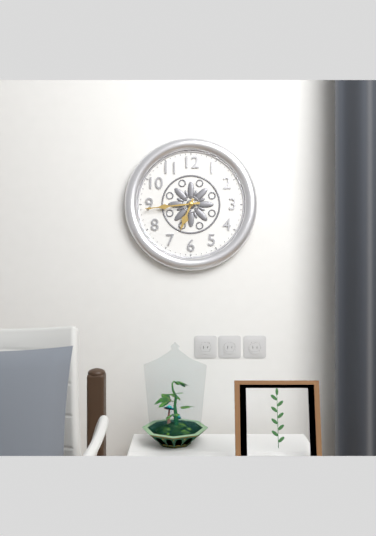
6:44
